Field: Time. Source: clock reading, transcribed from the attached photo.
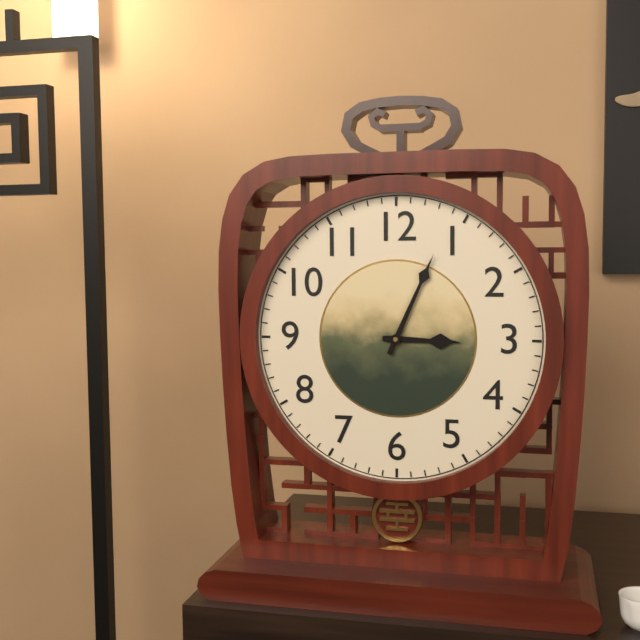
3:04
